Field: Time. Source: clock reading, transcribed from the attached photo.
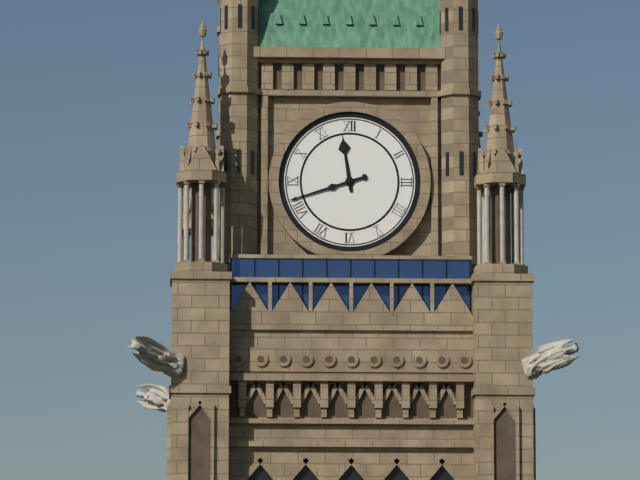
11:42
